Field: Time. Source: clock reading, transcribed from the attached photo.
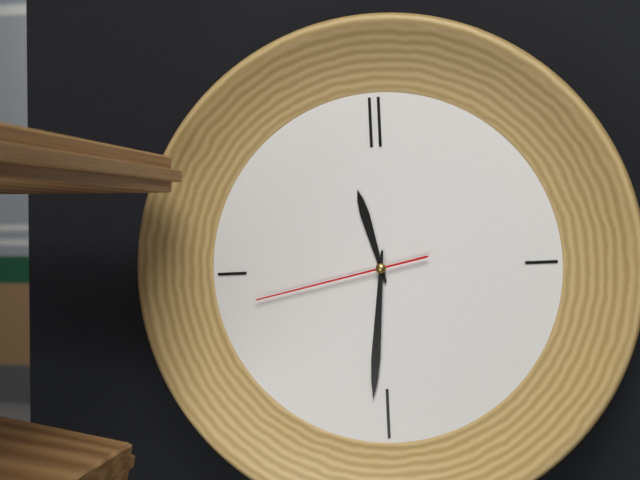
11:31:43
